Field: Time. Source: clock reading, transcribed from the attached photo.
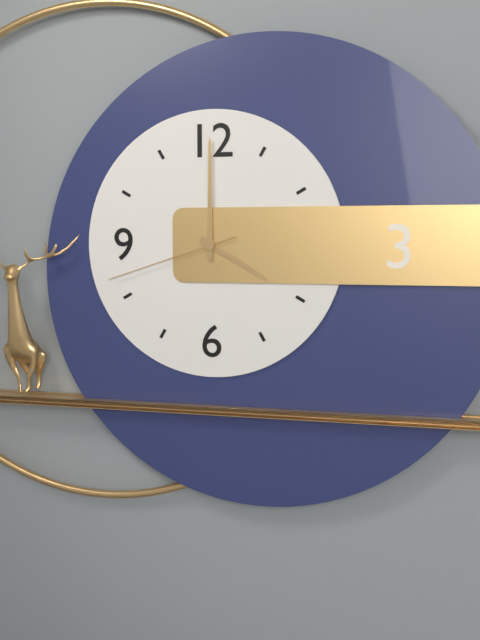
4:00:42
